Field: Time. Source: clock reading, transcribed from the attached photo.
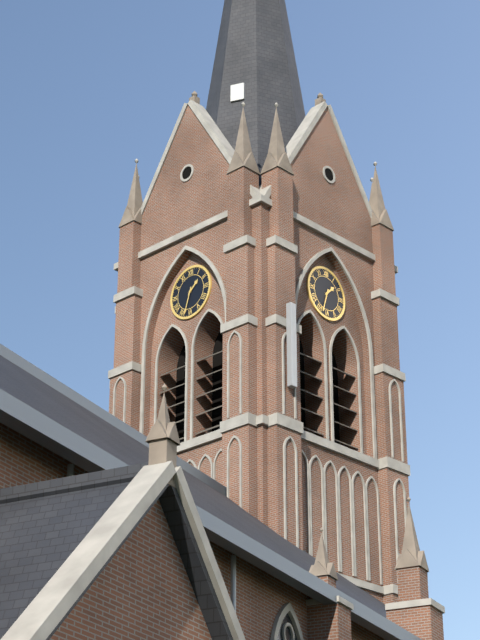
1:33
